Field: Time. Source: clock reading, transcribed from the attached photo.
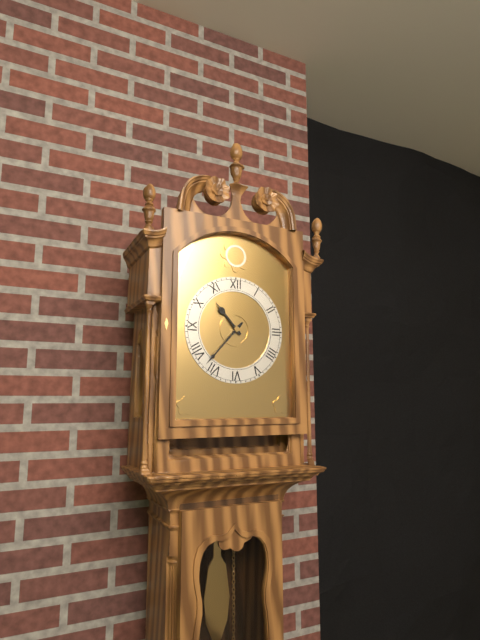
10:37
